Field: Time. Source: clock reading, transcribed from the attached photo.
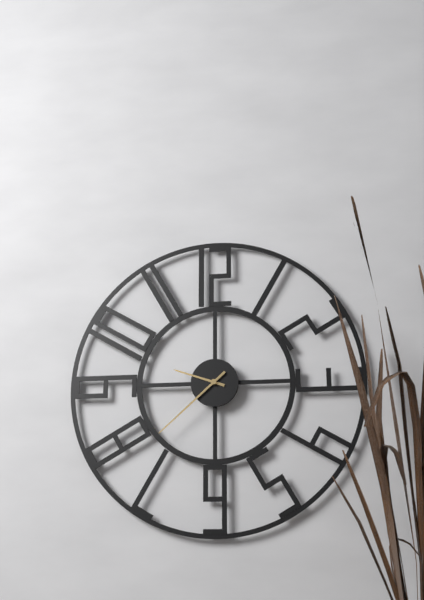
9:38
